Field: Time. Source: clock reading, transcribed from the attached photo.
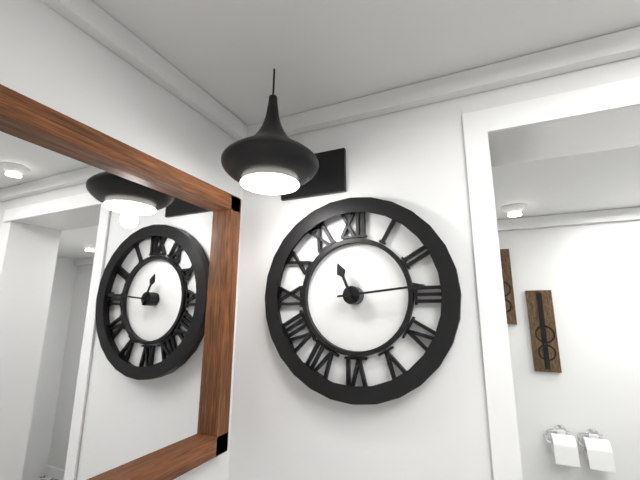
11:14
